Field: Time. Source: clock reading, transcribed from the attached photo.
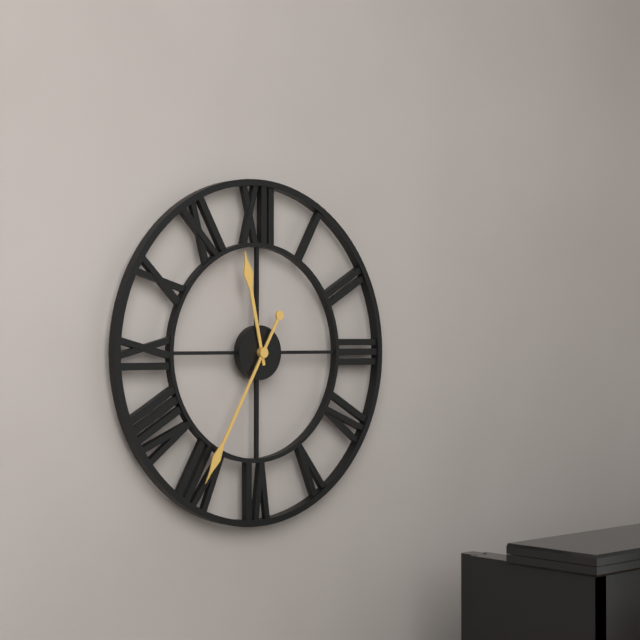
11:35
